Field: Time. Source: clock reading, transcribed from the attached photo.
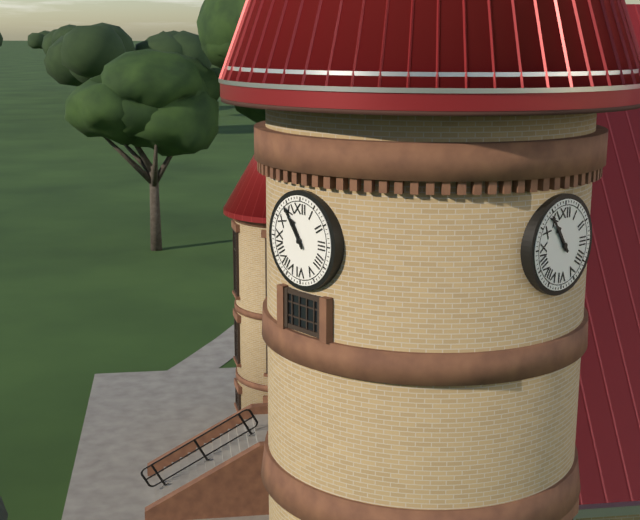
10:54
